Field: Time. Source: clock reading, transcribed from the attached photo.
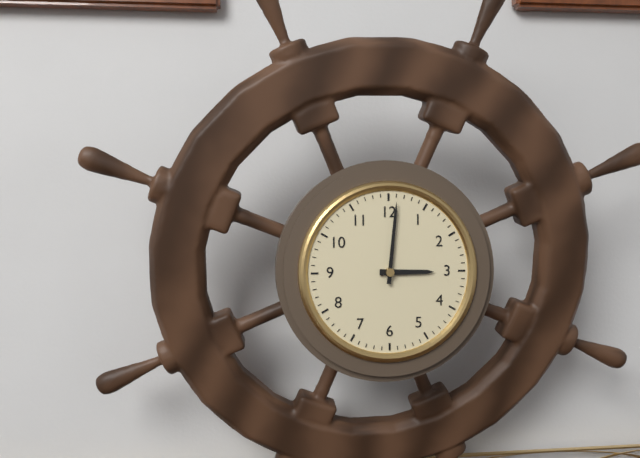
3:01
